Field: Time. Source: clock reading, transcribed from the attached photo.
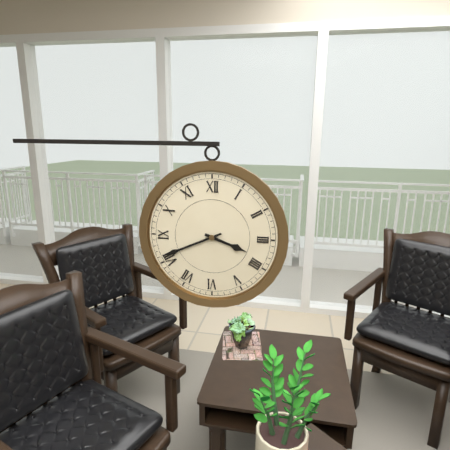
3:41
